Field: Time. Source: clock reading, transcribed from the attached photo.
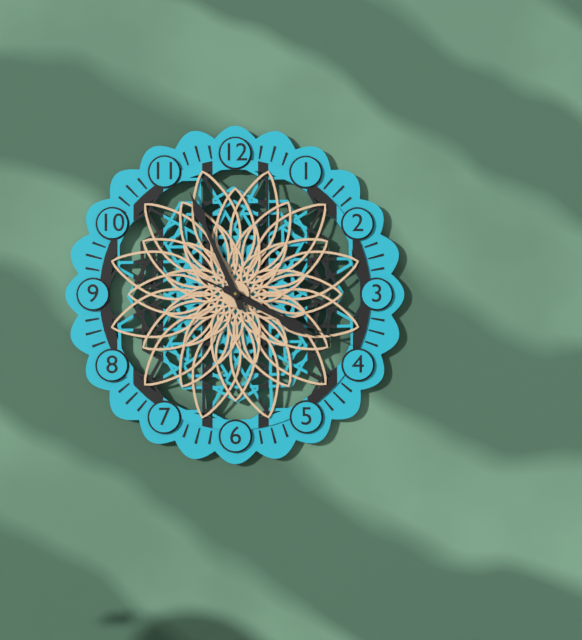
3:56:19
